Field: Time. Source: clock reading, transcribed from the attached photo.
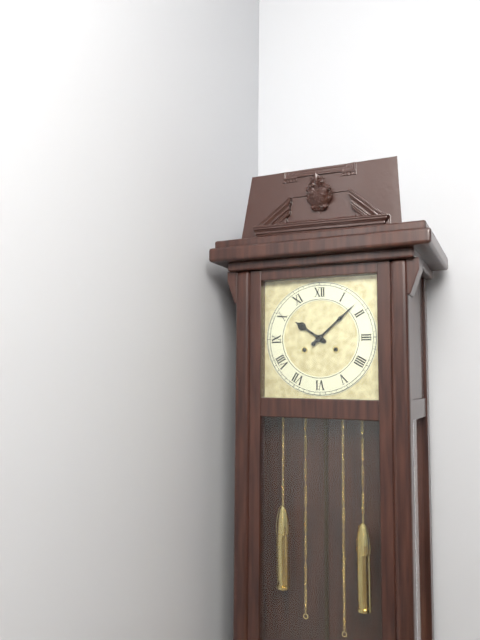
10:08
